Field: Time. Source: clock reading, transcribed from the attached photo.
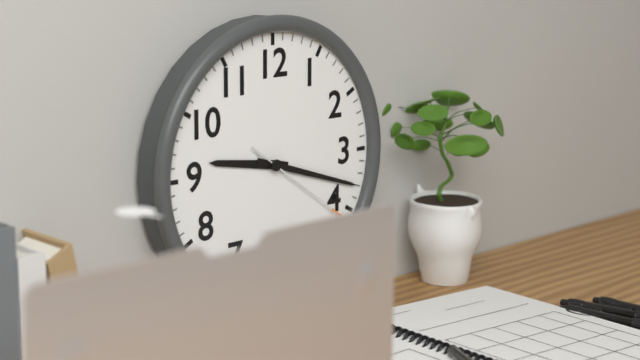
9:18:21
